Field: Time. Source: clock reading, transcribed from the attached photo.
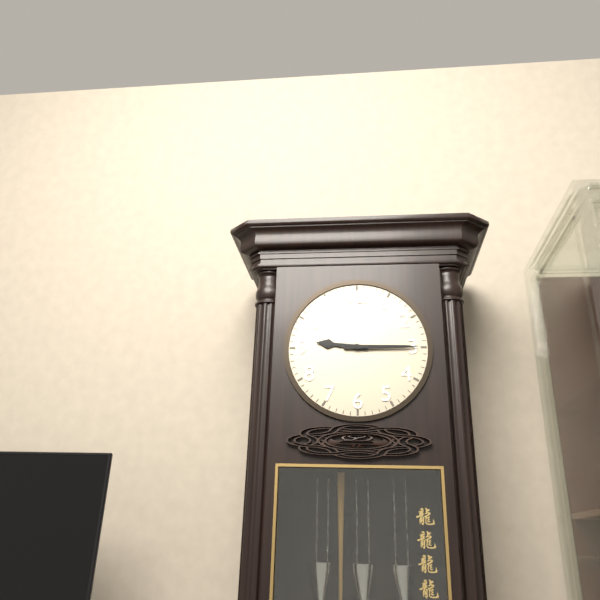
9:15
